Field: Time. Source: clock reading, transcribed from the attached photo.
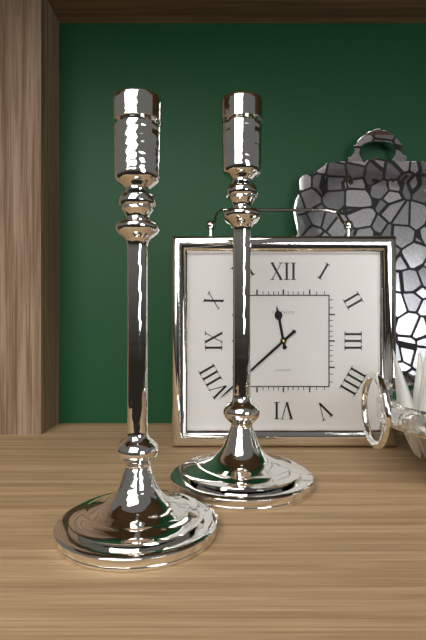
11:38
